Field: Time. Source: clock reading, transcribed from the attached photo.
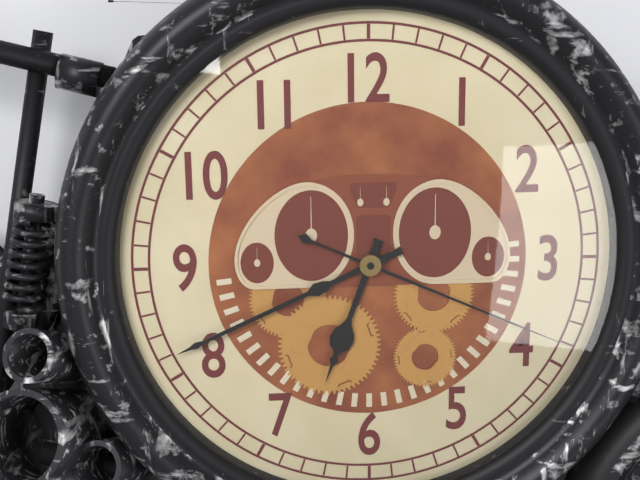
6:41:19
